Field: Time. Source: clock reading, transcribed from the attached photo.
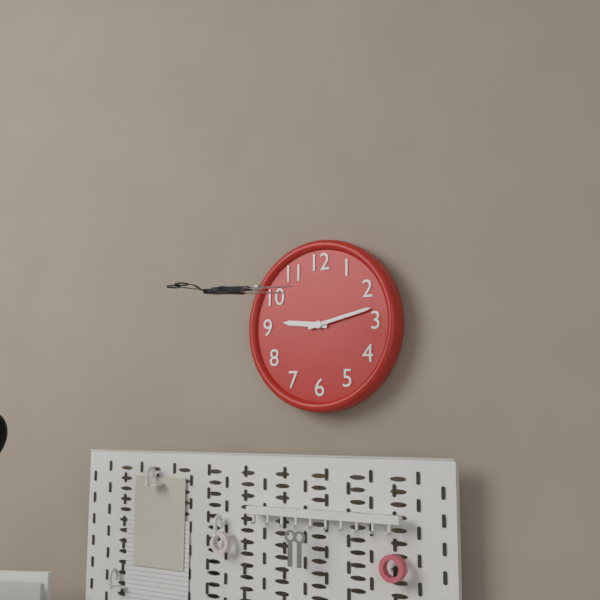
9:13
